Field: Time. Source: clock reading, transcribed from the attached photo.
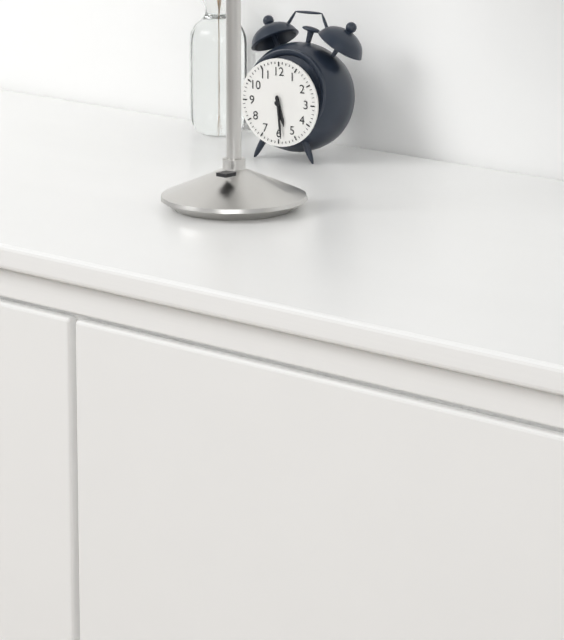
5:29
